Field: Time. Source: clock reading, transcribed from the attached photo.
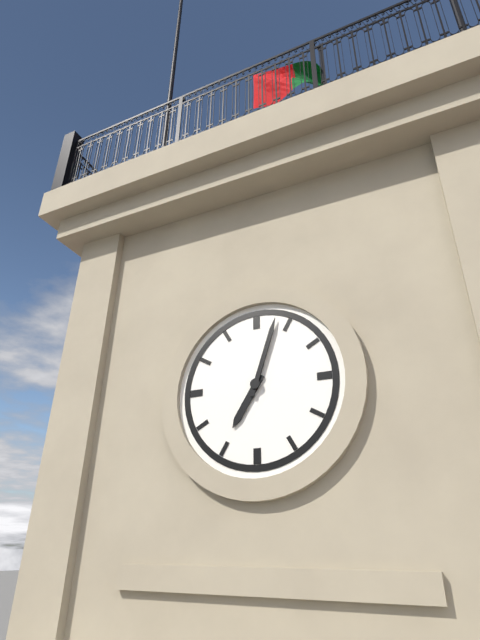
7:03
